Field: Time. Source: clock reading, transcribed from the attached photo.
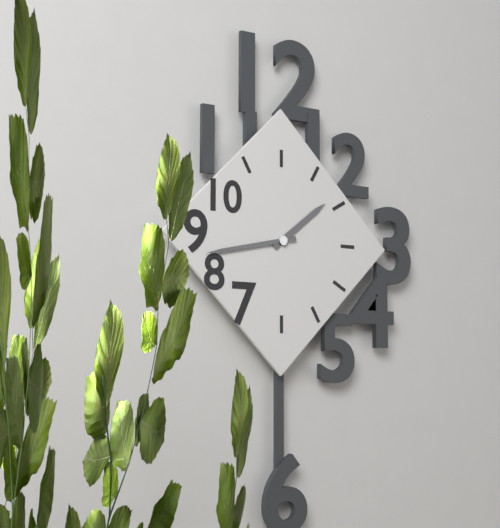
1:43
